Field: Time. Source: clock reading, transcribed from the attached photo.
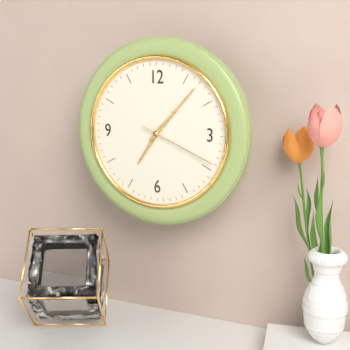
7:07:19
